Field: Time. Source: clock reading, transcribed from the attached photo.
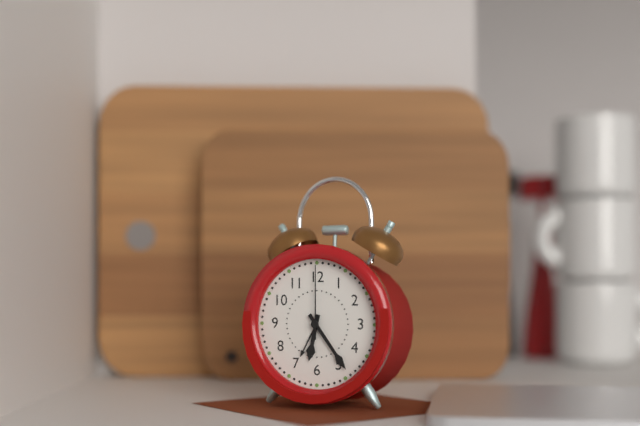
6:24:00
